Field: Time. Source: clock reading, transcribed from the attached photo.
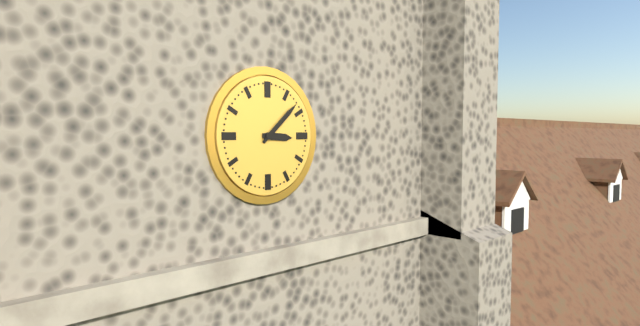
3:08
